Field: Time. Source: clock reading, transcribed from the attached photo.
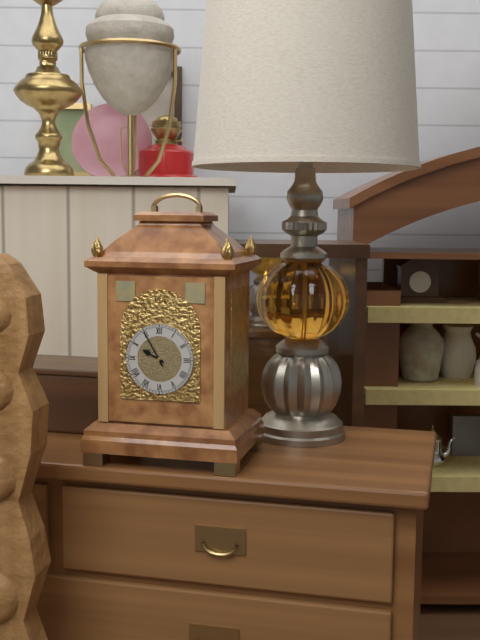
9:55
